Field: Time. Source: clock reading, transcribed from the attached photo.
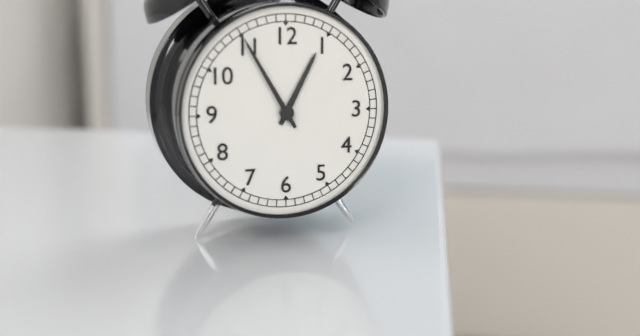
12:55
